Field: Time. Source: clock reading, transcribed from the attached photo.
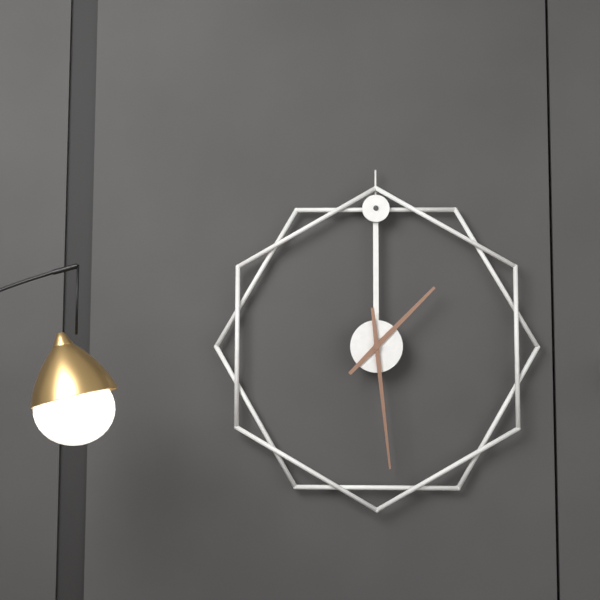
1:29
